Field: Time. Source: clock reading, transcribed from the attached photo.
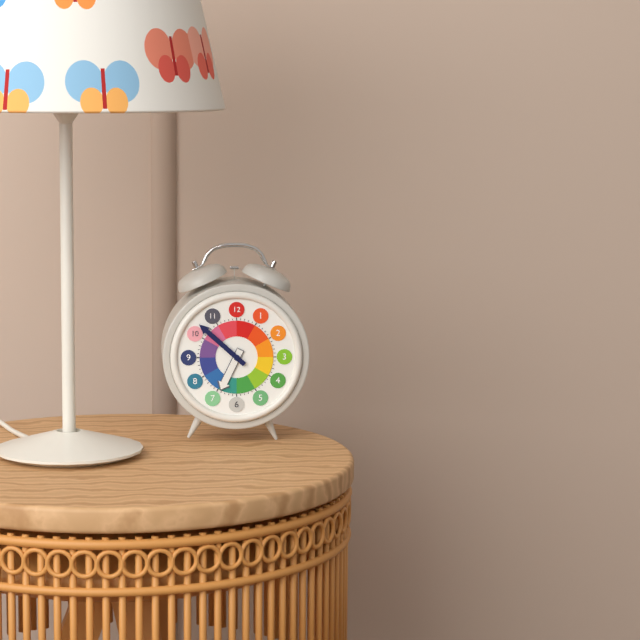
6:52
